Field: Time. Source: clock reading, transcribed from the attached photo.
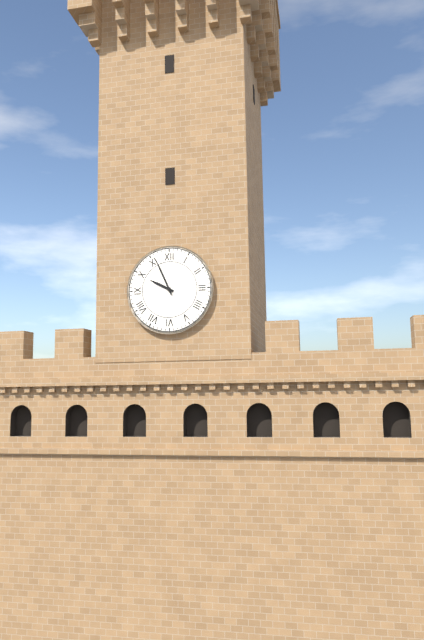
9:56
